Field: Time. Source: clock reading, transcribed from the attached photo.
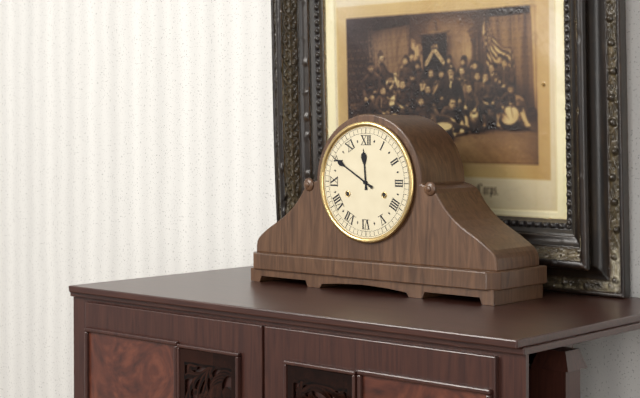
11:50
